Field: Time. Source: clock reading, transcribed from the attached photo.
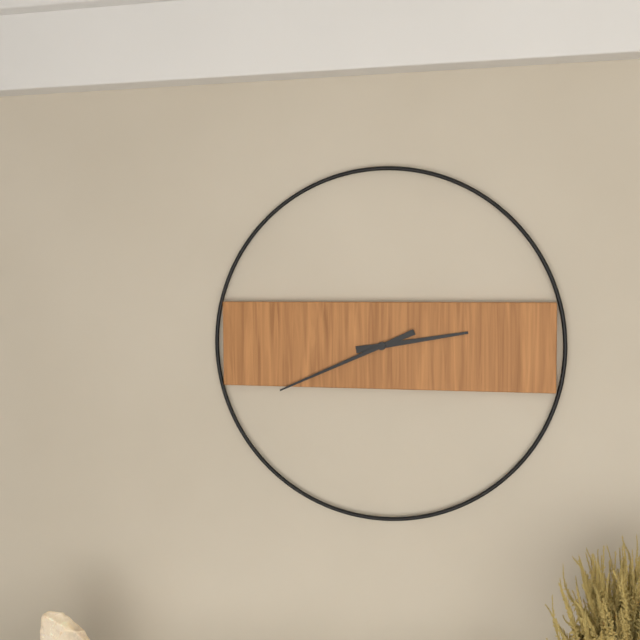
2:41
